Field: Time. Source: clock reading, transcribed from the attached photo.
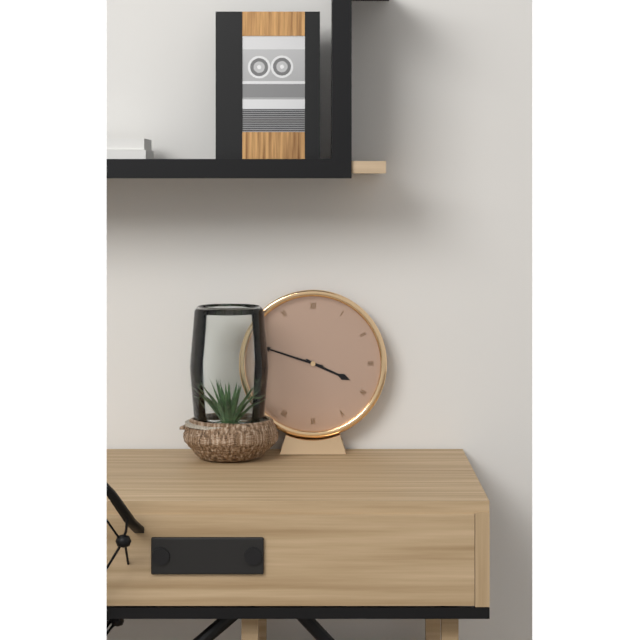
3:48
